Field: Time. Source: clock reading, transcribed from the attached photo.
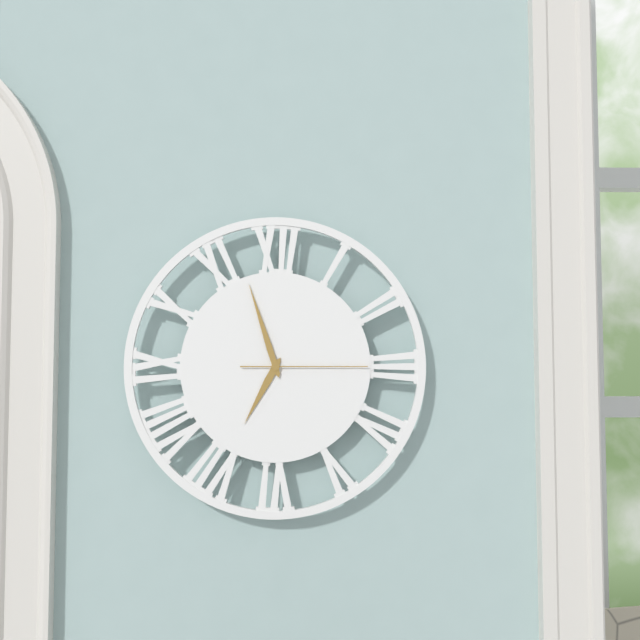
6:57:15
